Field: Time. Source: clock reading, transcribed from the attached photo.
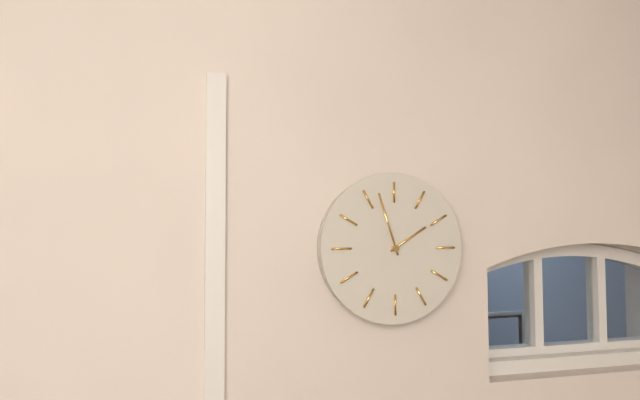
1:57
